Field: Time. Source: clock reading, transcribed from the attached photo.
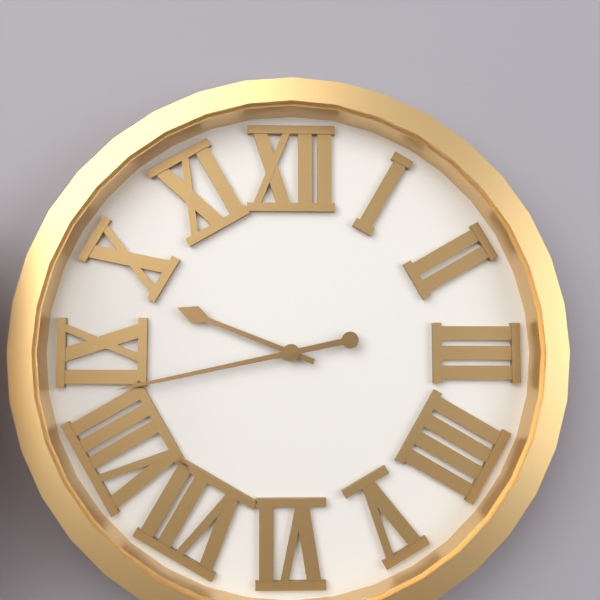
9:43
